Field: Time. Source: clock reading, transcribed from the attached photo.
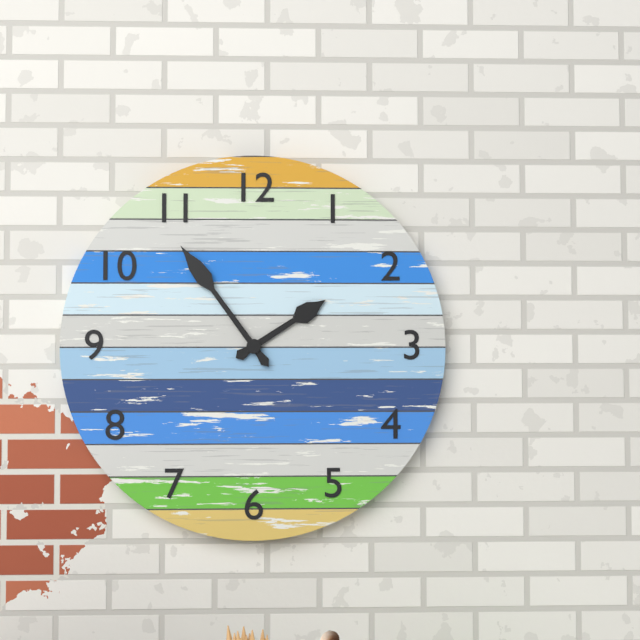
1:54
